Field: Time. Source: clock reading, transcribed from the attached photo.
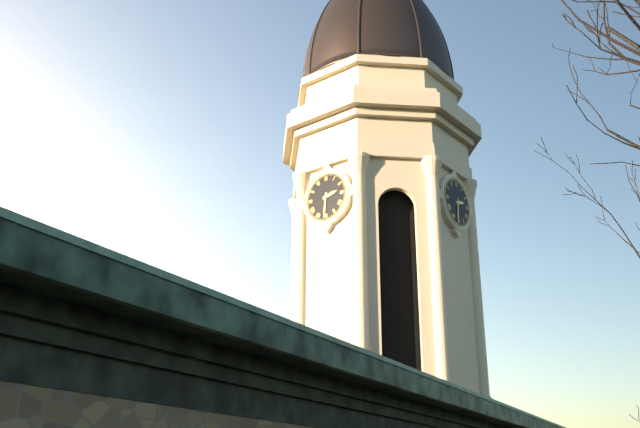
2:31
